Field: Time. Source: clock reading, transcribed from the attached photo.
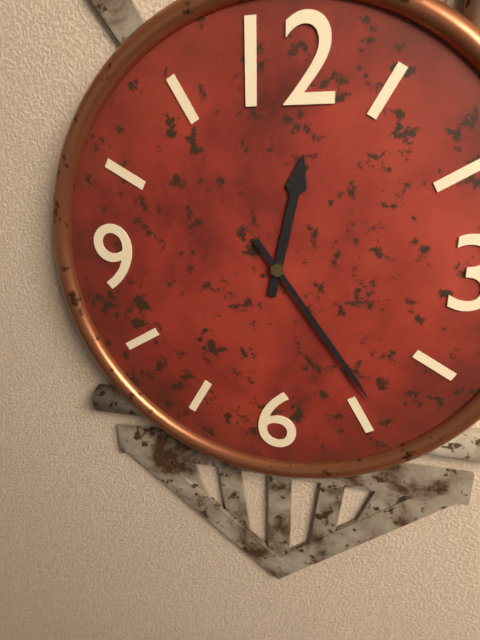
12:24
